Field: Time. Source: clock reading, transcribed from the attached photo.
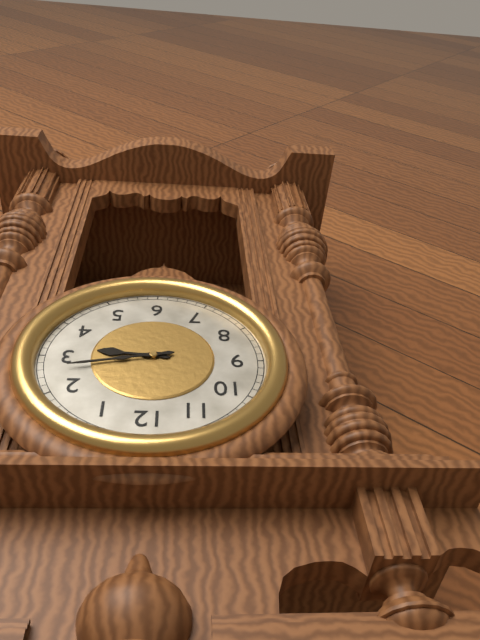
3:13
